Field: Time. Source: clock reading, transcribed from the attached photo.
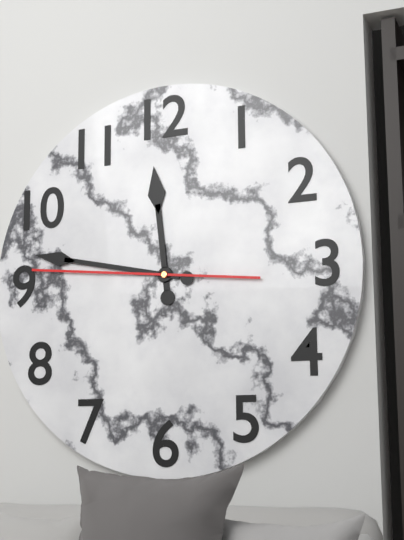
11:47:46
